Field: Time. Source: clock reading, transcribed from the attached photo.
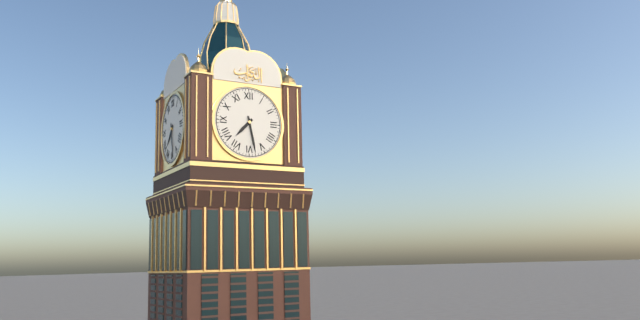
7:28
